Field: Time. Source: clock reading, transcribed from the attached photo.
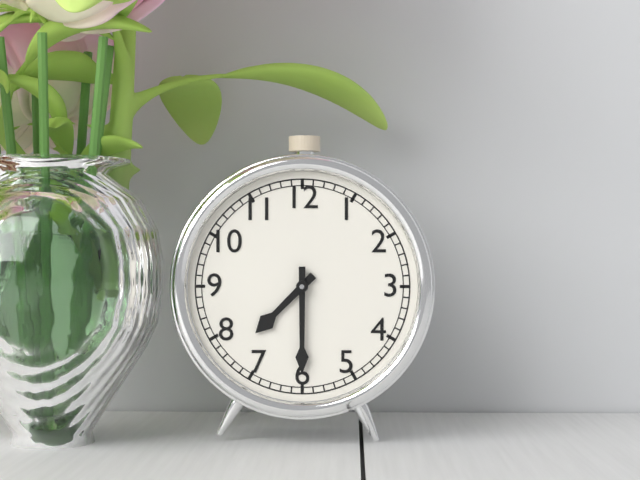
7:30
